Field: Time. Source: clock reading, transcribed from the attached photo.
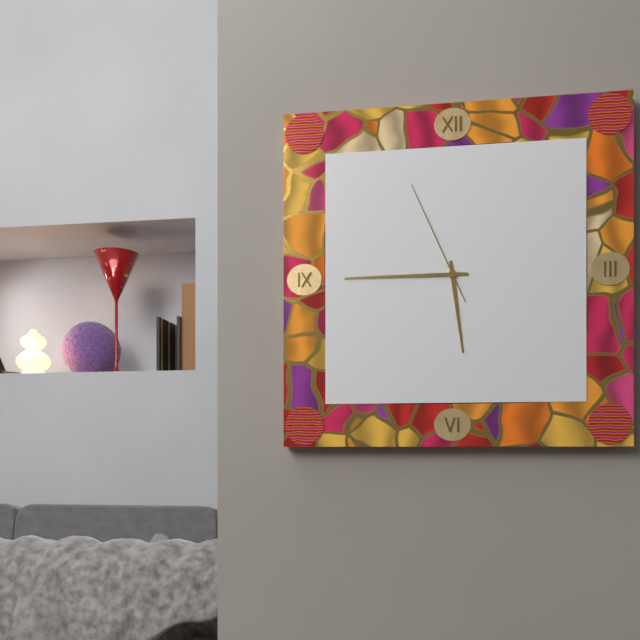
5:45:56
